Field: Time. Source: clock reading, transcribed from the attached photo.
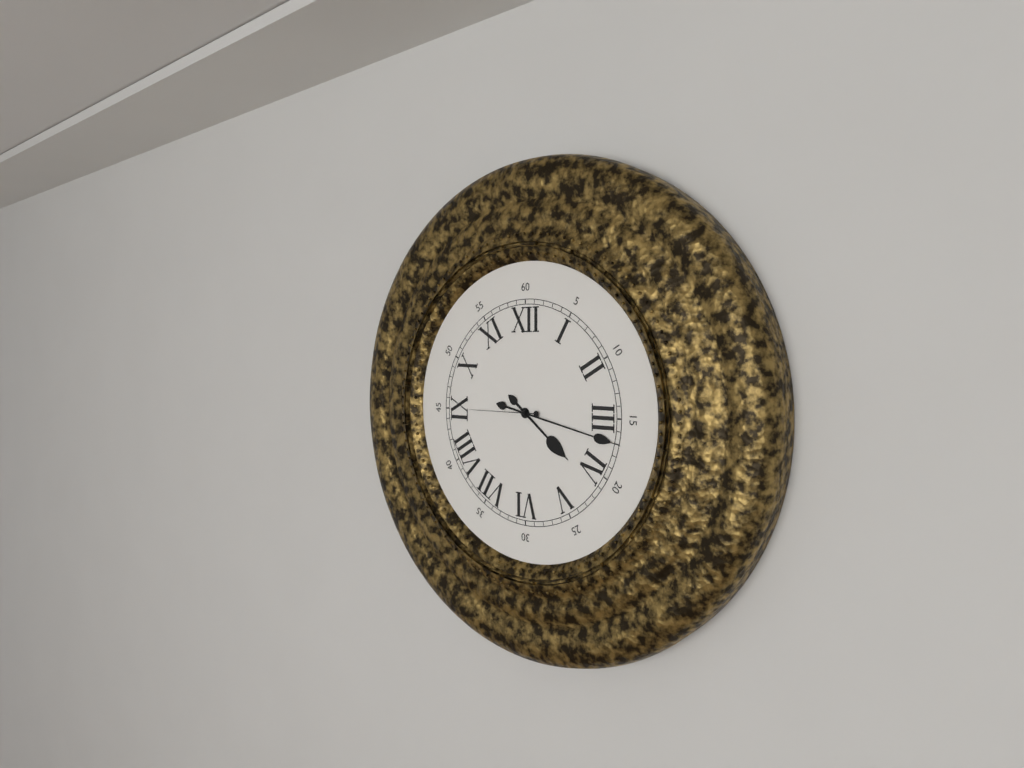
4:17:45
